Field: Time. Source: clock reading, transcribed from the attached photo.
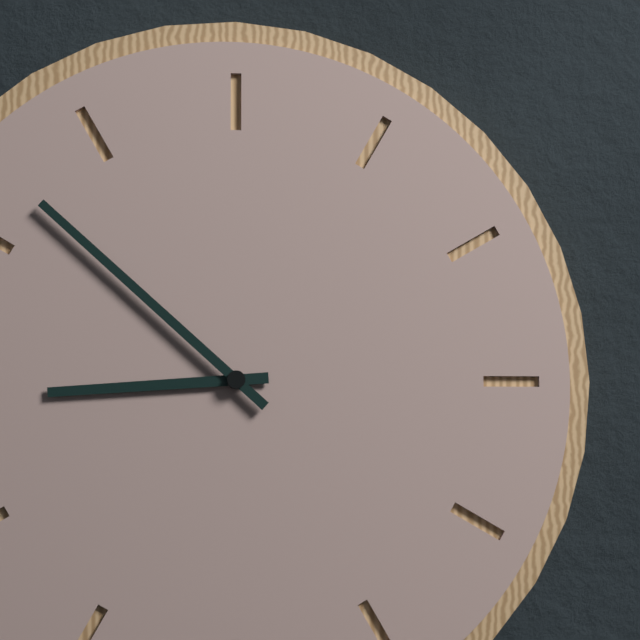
8:52
